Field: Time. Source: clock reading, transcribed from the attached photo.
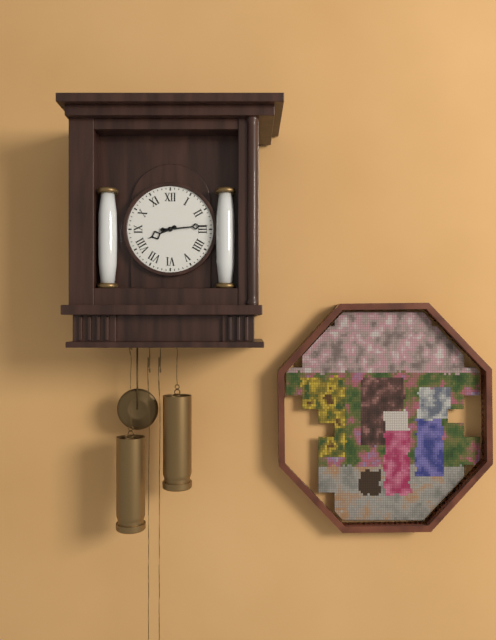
8:14
